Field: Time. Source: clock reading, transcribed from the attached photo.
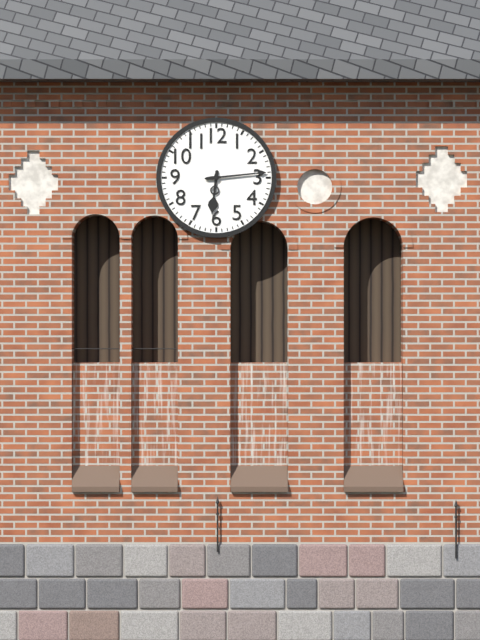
6:14
